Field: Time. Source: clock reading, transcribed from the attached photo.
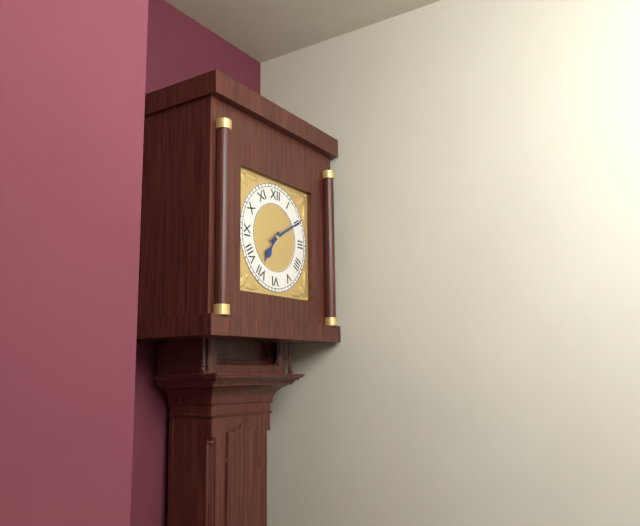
7:10
